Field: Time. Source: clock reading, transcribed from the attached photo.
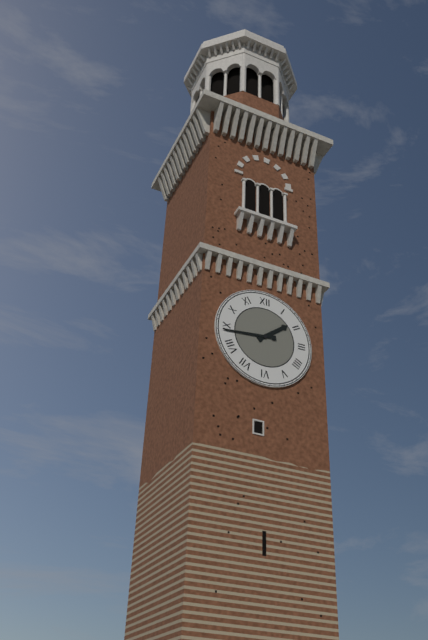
1:44
